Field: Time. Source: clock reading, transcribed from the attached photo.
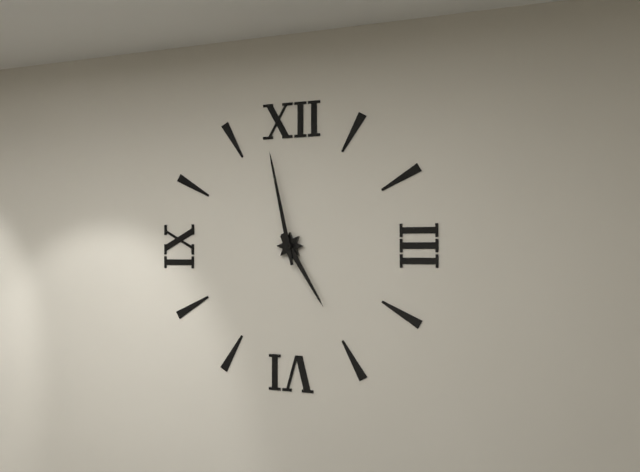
4:58
